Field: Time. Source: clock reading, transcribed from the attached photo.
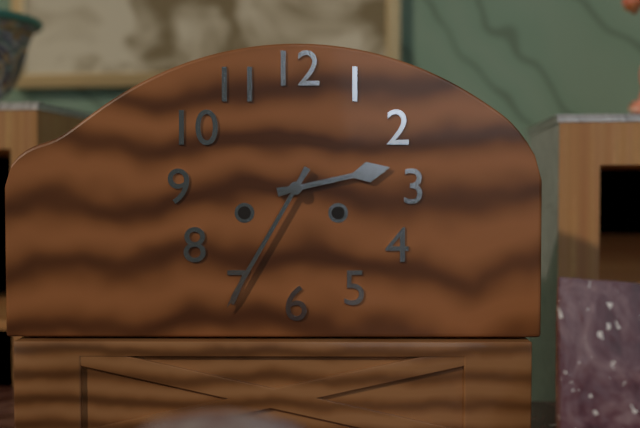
2:35
